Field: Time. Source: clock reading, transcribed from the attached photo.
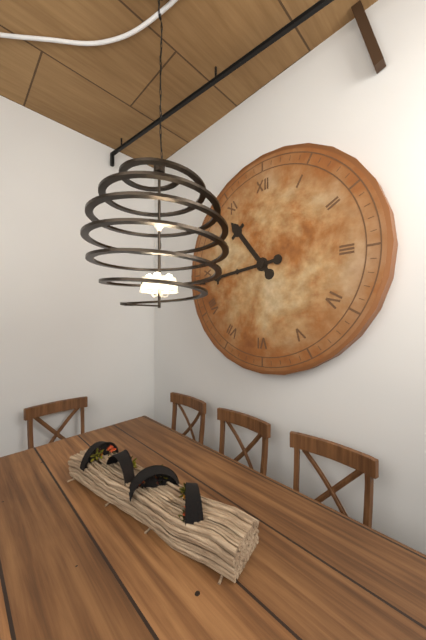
10:44
